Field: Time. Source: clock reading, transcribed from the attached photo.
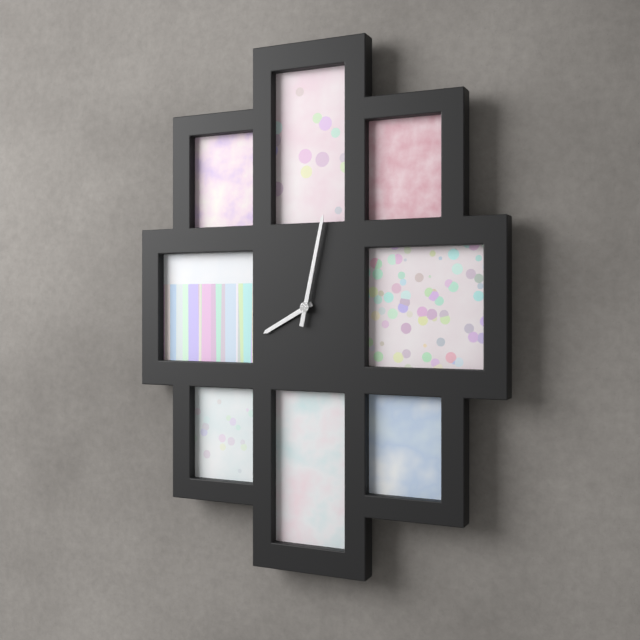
8:02
